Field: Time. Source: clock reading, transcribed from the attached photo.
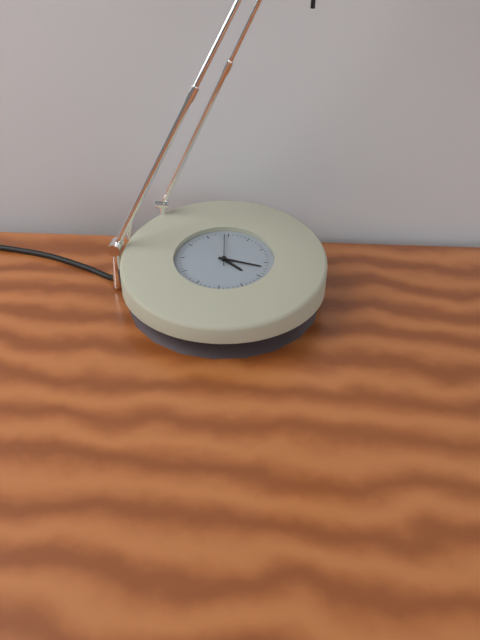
4:17
